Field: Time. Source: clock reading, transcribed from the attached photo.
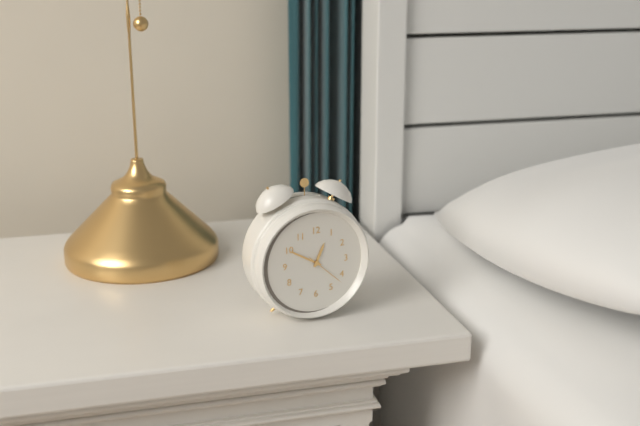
12:50
